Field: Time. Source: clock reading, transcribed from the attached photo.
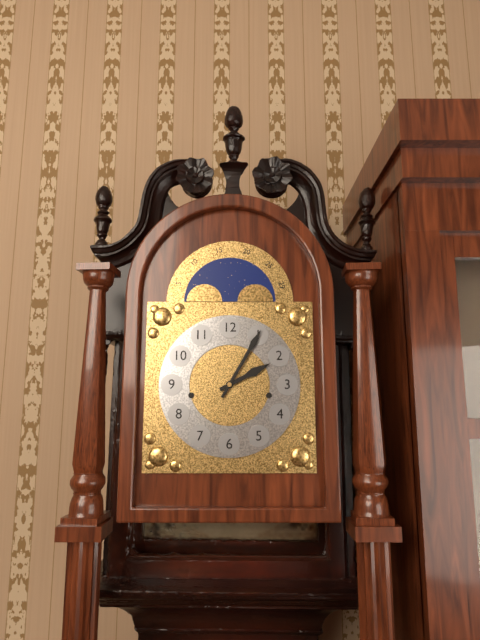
2:05
